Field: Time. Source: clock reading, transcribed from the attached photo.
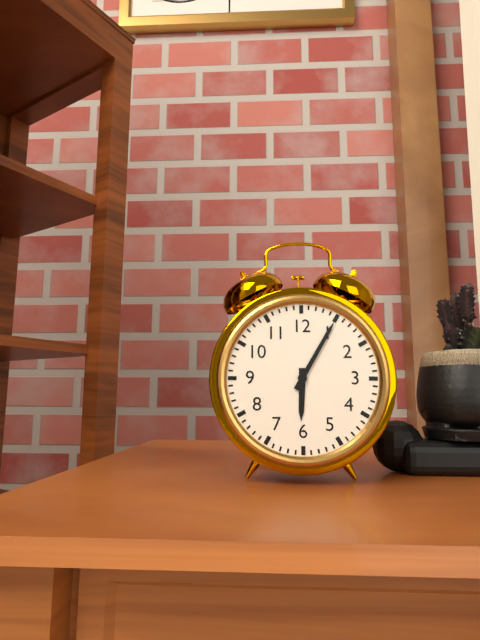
6:05
